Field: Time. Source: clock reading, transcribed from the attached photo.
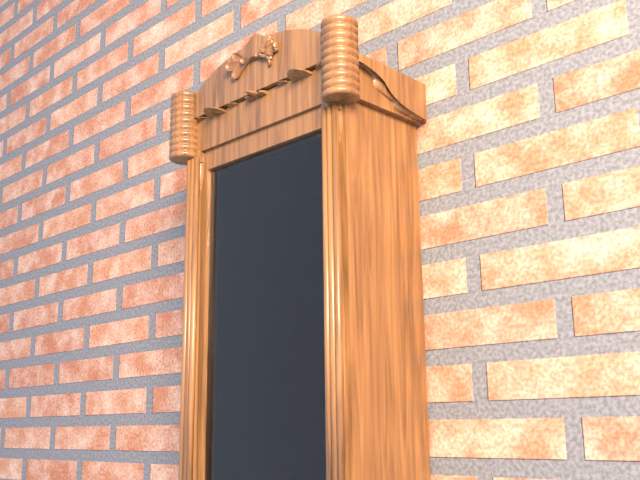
9:58
